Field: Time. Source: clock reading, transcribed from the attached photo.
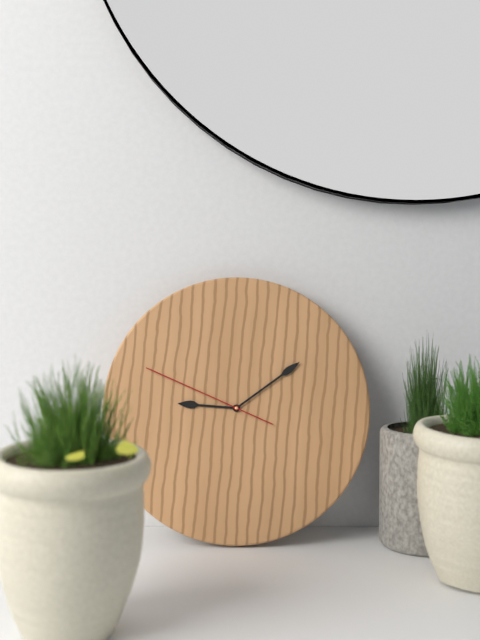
9:09:49
